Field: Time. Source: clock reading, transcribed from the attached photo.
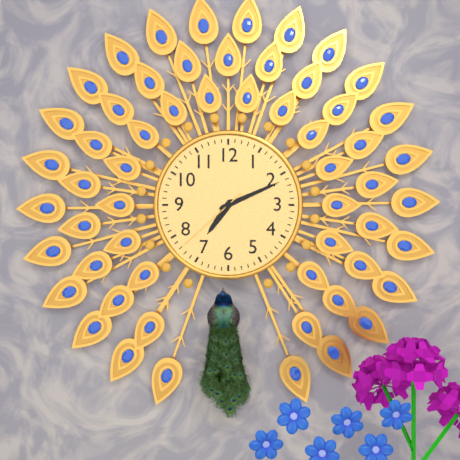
7:11:38
